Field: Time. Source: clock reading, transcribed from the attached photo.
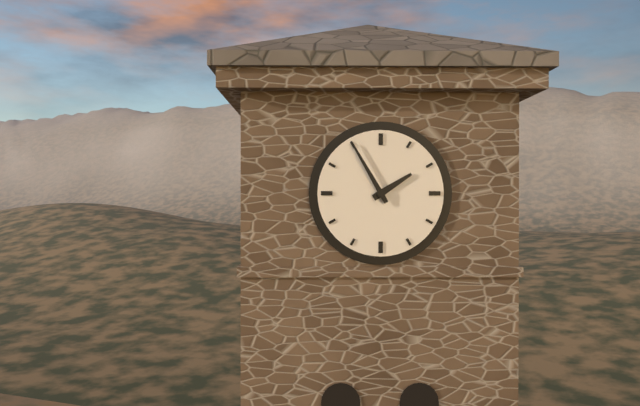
1:55
